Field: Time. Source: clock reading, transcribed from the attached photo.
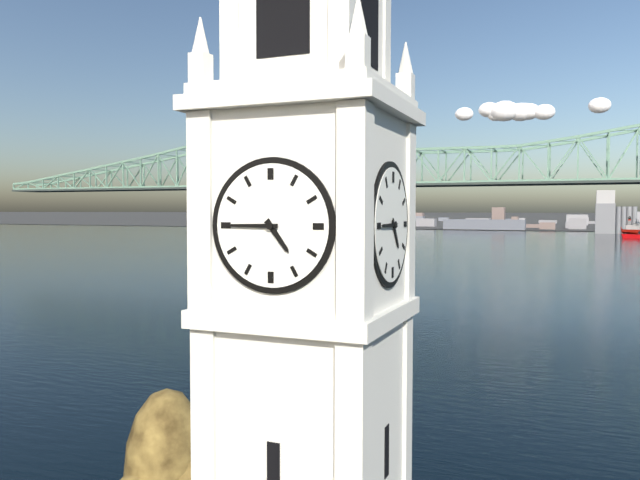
4:45
